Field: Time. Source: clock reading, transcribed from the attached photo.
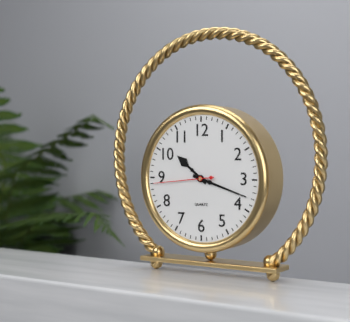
10:18:44
